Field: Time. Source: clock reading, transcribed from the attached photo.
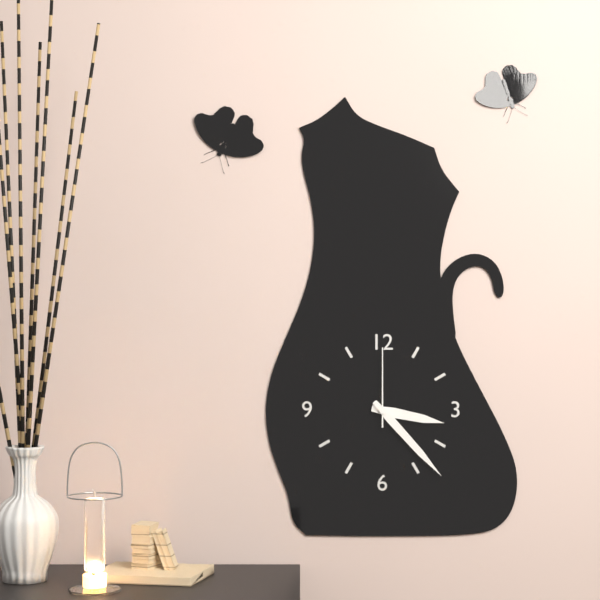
3:23:00
